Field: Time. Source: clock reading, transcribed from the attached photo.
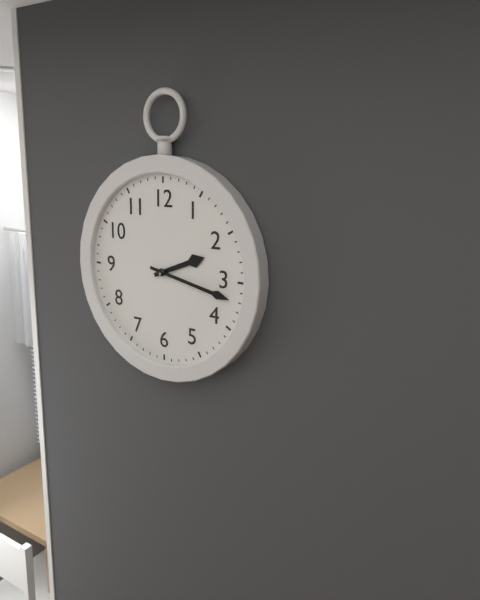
2:17
